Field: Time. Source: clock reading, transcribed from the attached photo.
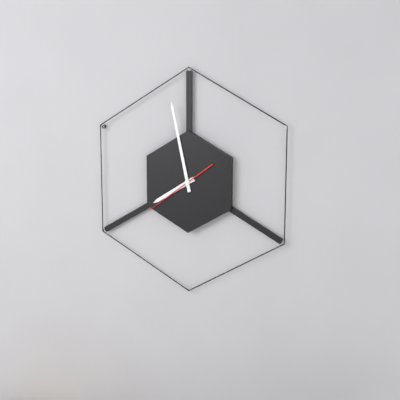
7:58:39
